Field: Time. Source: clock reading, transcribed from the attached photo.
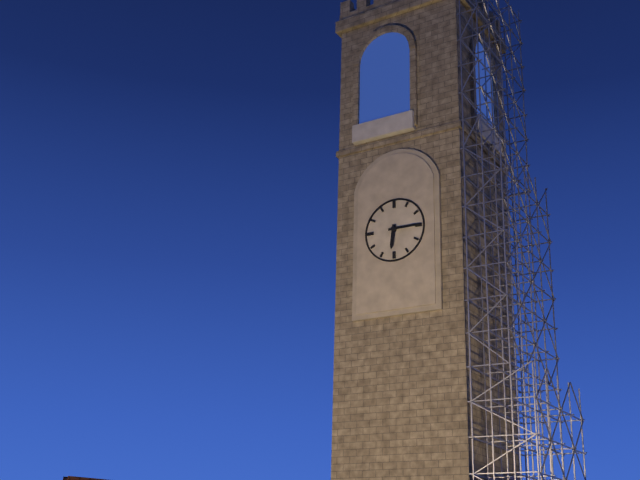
6:15
